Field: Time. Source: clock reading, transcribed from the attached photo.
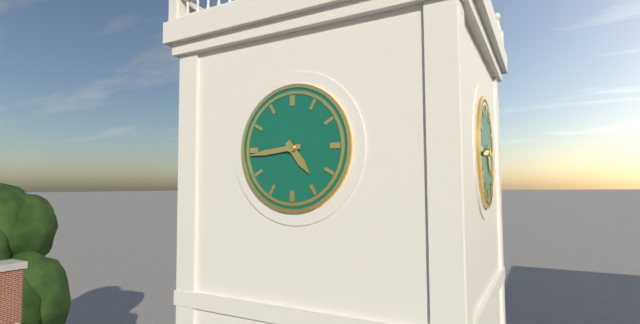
4:44
